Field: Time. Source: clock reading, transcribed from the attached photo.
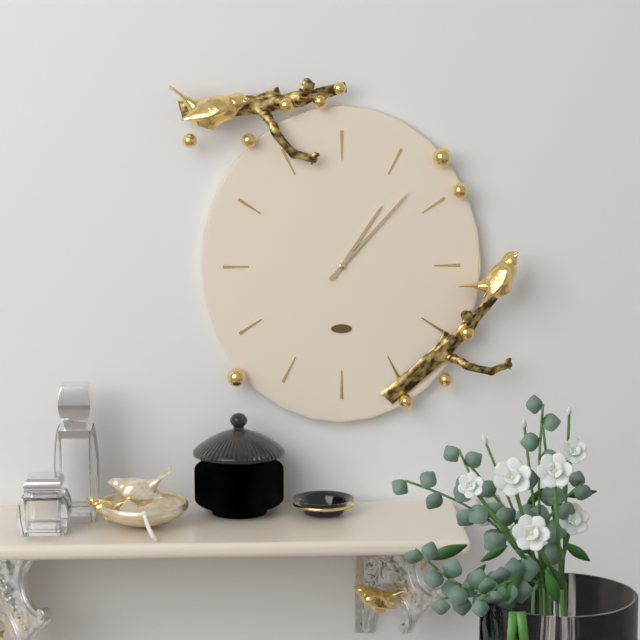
1:07
